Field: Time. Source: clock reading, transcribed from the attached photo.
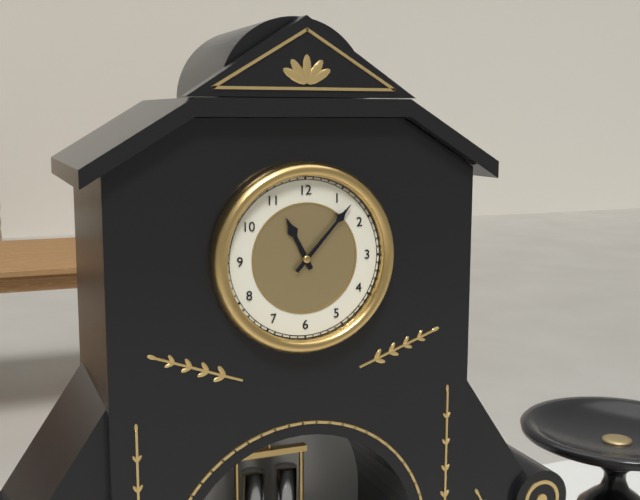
11:07
